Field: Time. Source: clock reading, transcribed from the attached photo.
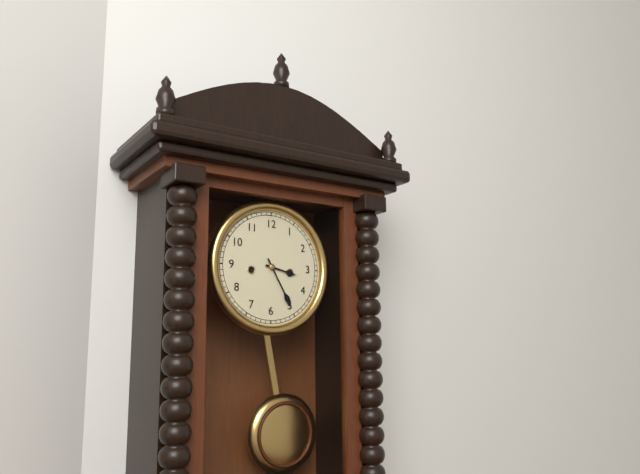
3:25
